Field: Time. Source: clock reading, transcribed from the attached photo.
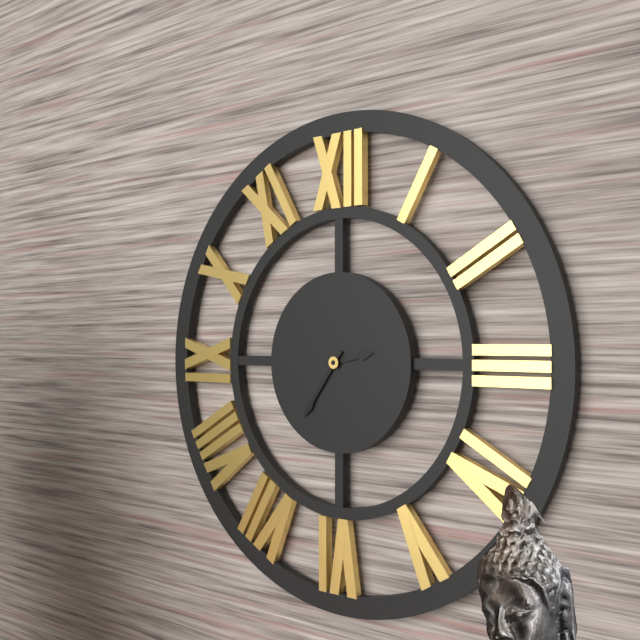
2:36
